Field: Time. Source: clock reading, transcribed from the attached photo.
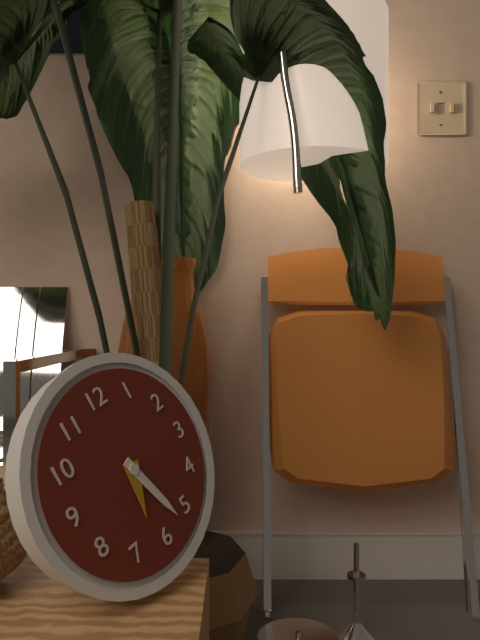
6:27
